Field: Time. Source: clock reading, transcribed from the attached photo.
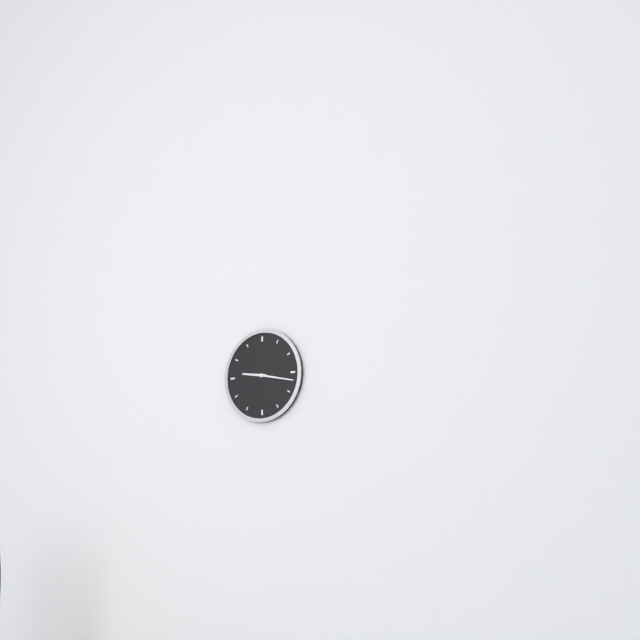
9:17
